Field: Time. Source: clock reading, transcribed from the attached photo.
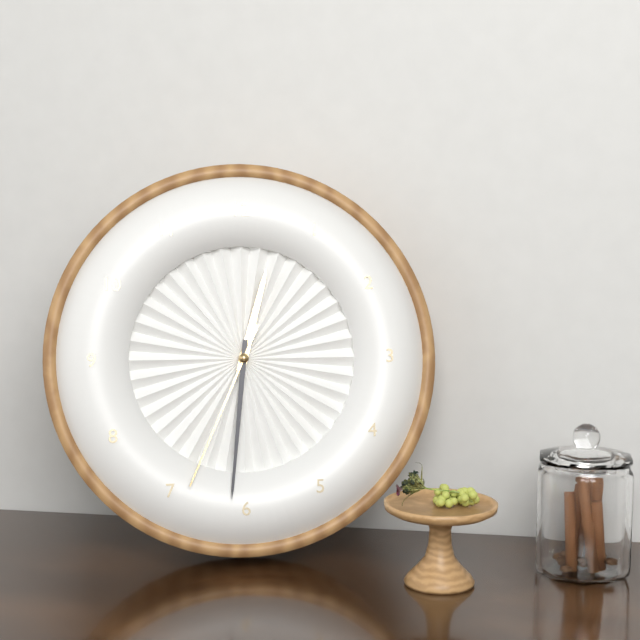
12:31:34
